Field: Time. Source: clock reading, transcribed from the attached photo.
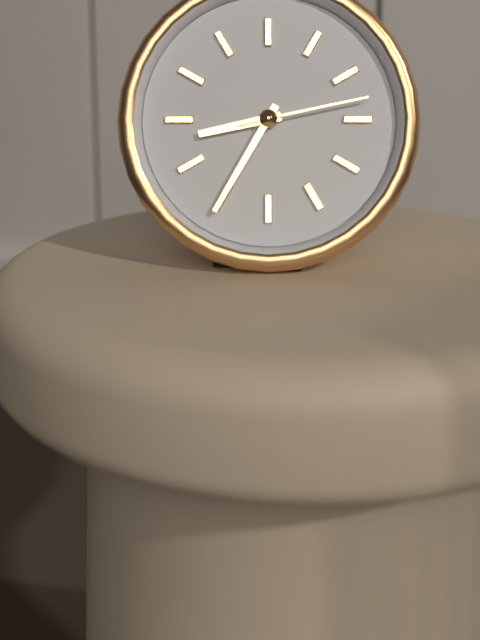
8:35:13
